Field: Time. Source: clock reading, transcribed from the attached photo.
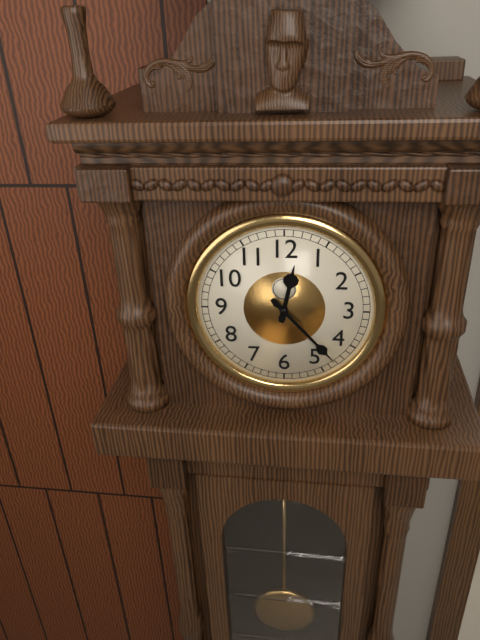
12:23
